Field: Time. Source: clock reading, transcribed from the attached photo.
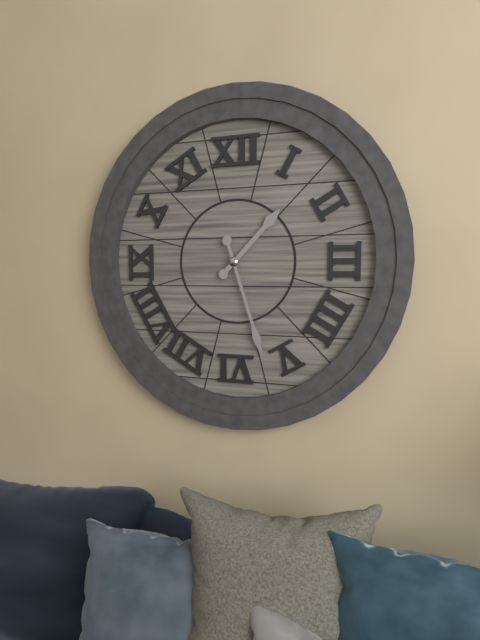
1:27
